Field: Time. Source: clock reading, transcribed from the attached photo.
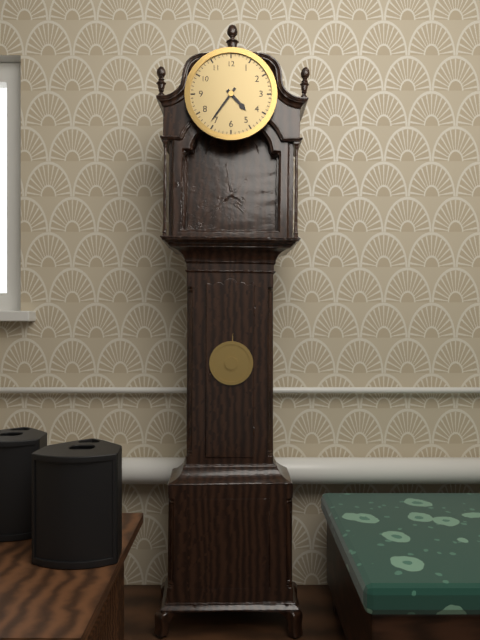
4:36
